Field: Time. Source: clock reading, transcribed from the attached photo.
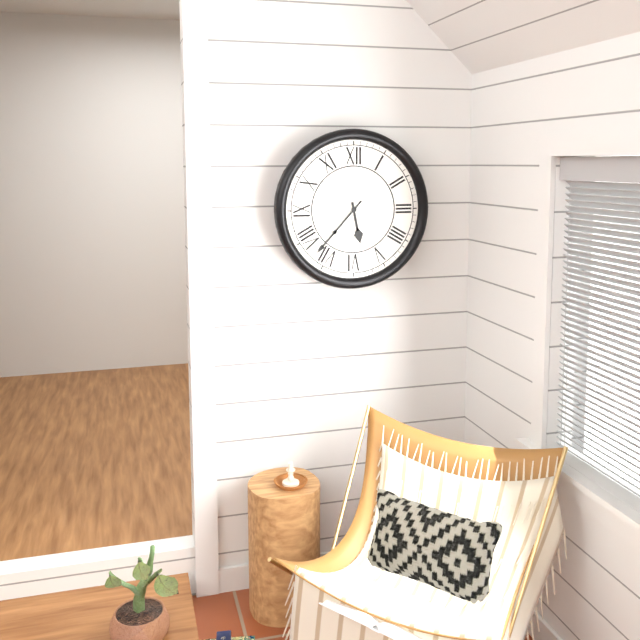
5:37
